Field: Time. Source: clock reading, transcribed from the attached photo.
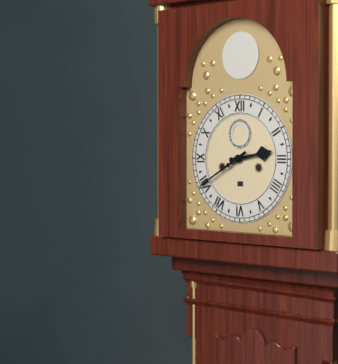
2:40
